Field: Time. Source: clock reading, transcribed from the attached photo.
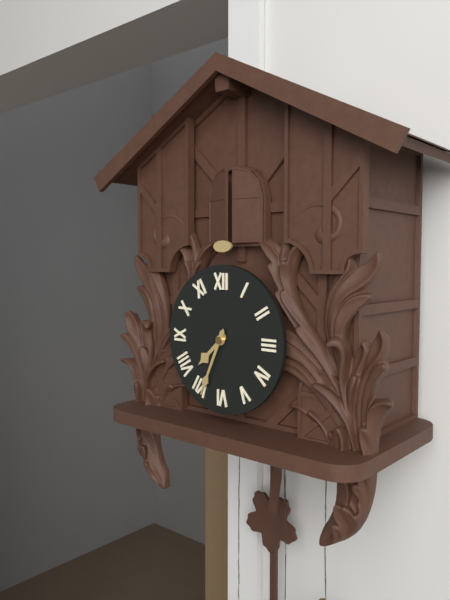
7:34
